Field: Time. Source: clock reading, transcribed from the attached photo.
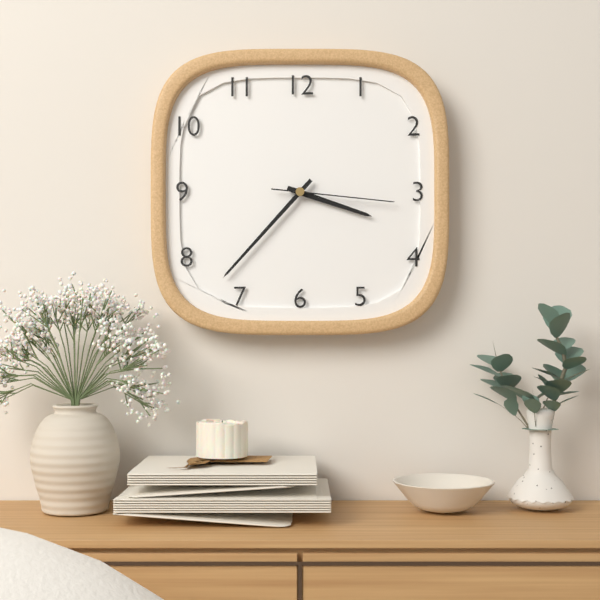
3:37:16
